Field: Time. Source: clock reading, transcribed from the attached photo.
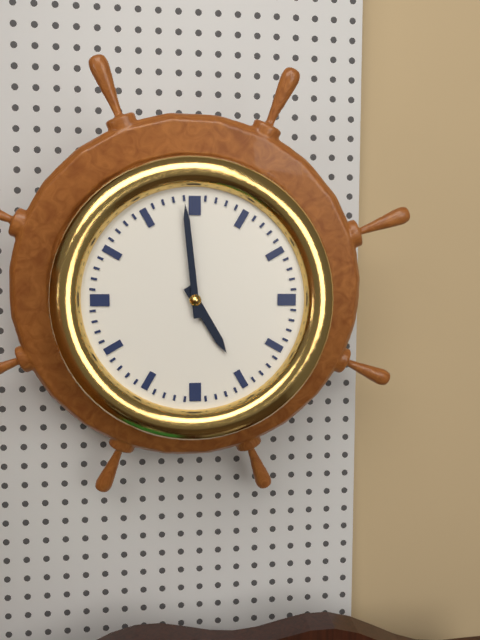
4:59
